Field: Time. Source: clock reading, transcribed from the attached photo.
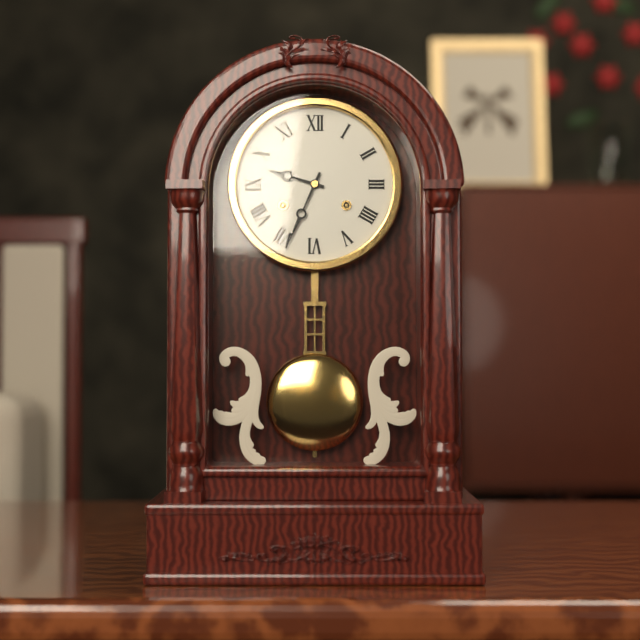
9:34
